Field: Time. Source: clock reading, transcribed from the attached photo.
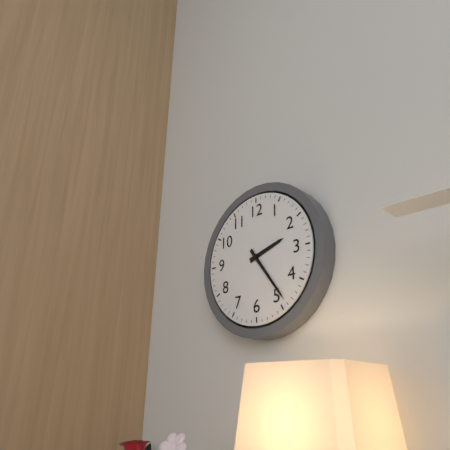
2:24
